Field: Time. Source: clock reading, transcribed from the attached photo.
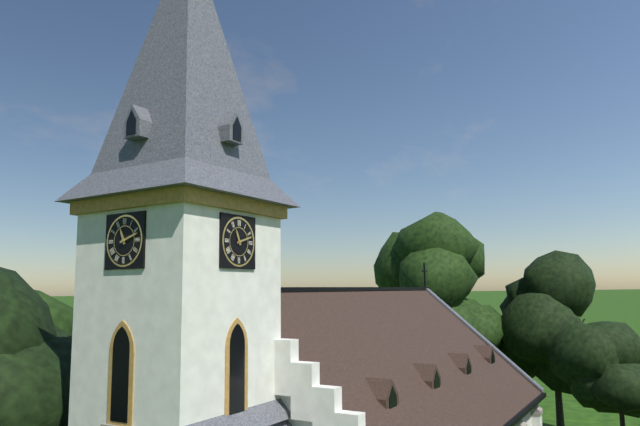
11:12
